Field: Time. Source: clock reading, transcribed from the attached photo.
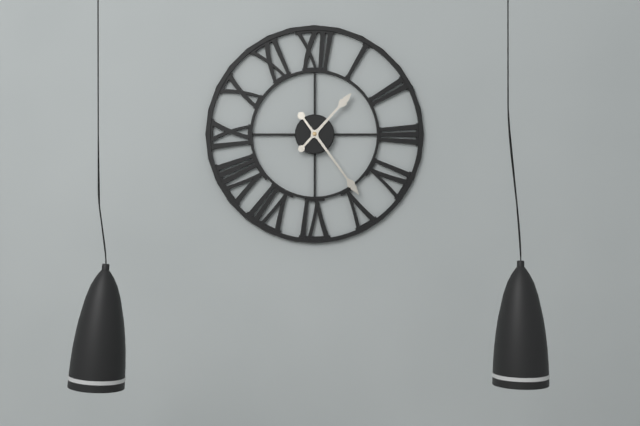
1:24
